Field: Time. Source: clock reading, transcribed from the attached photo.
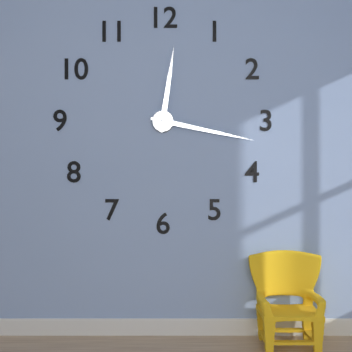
12:17
